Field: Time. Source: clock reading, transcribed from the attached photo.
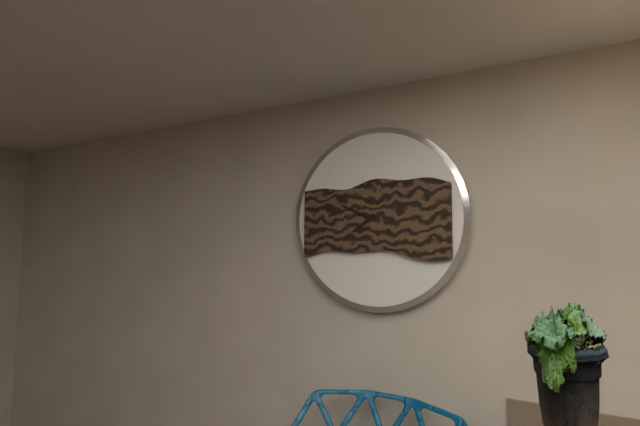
7:49
